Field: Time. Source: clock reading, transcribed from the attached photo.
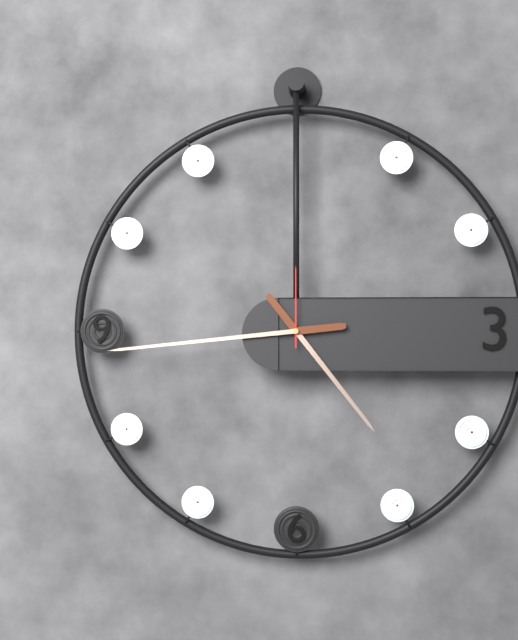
4:44:00
